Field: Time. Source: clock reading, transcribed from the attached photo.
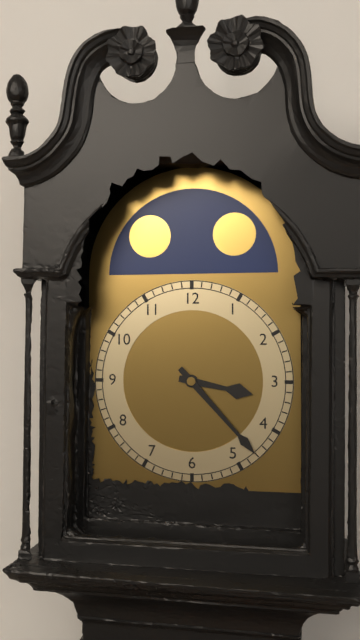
3:23
